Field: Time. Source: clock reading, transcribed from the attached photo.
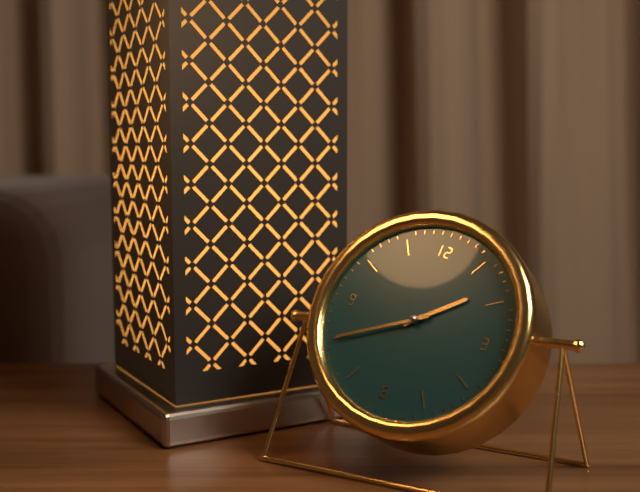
1:40
